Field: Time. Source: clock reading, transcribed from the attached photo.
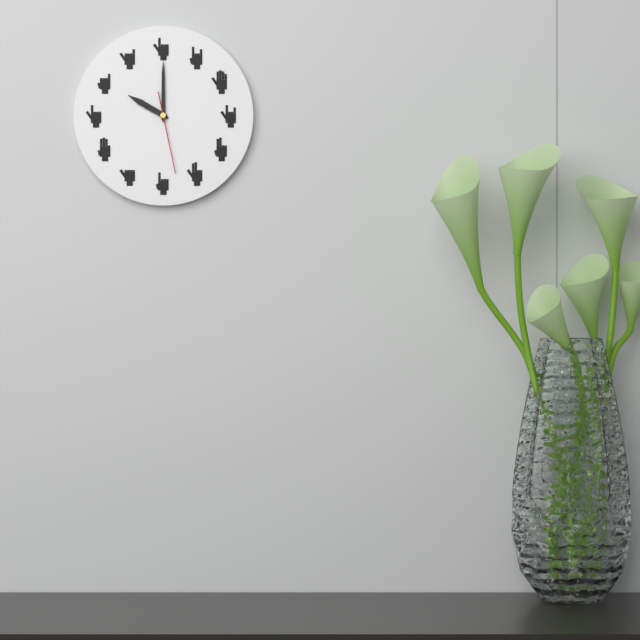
10:00:28
